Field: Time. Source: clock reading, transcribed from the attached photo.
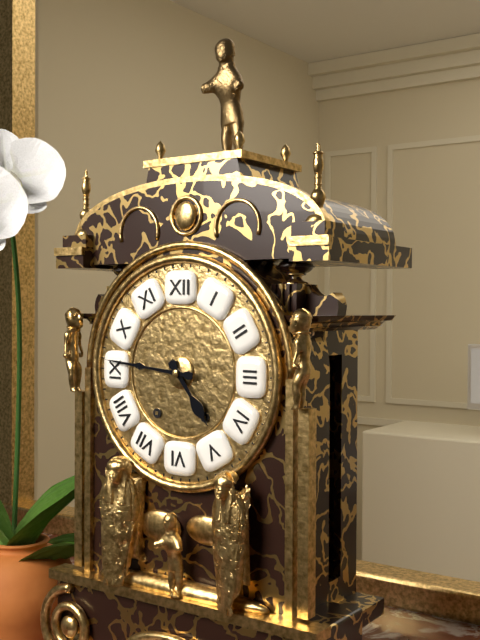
4:46
